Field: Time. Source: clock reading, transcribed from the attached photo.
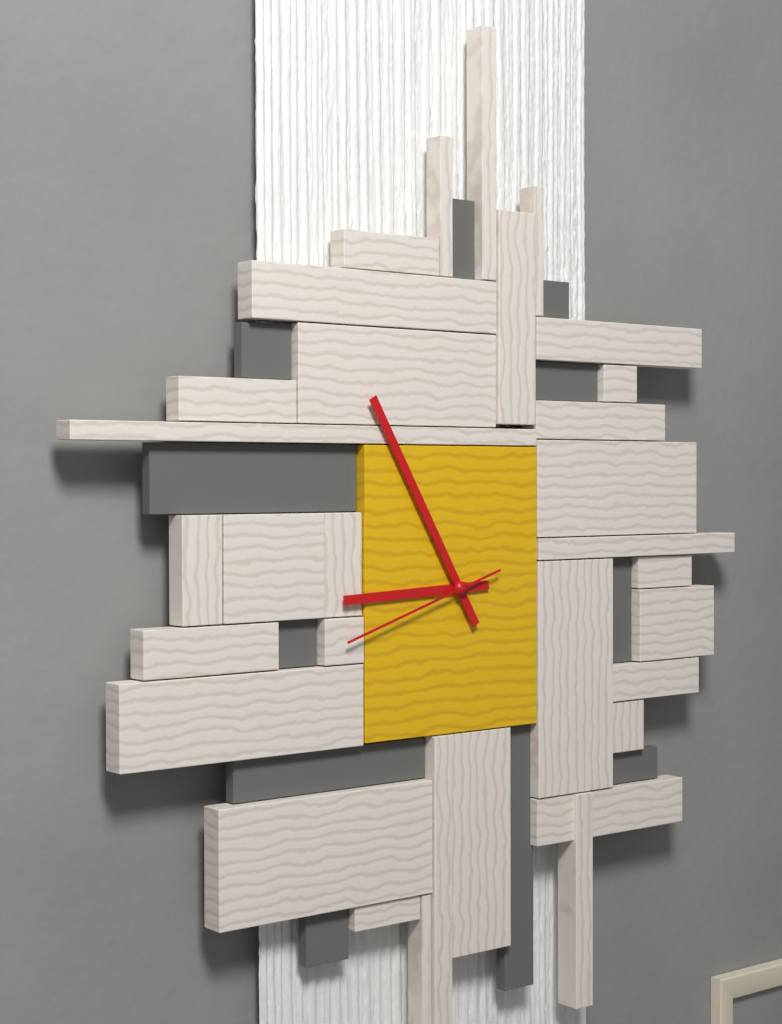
8:55:42
